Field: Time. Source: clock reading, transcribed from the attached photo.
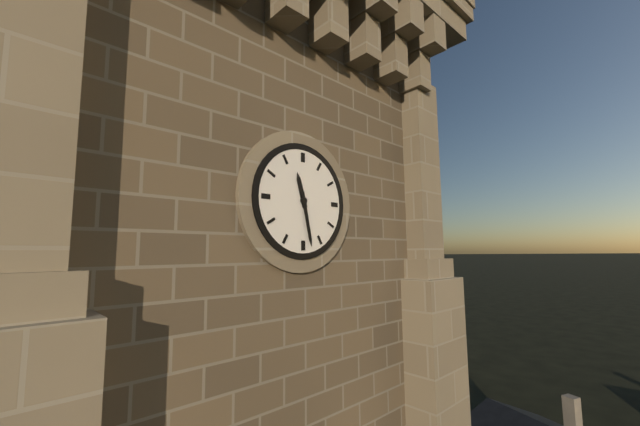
11:28
